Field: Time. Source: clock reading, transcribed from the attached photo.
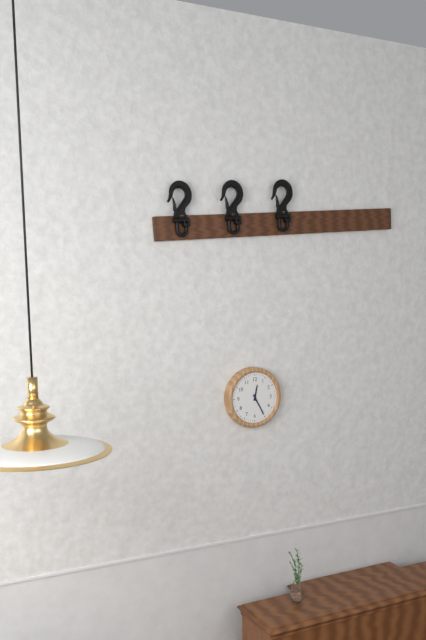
12:25
